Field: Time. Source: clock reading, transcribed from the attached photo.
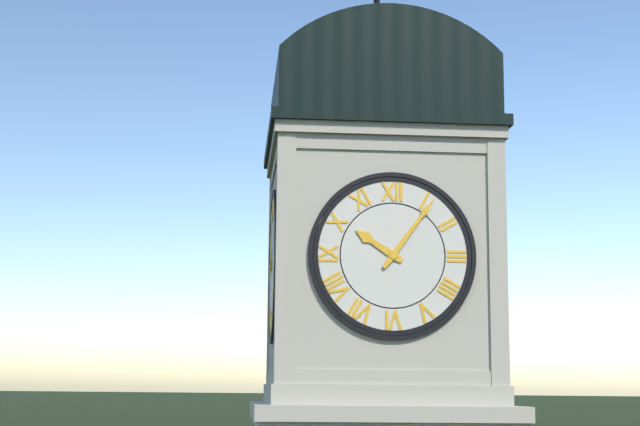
10:06
